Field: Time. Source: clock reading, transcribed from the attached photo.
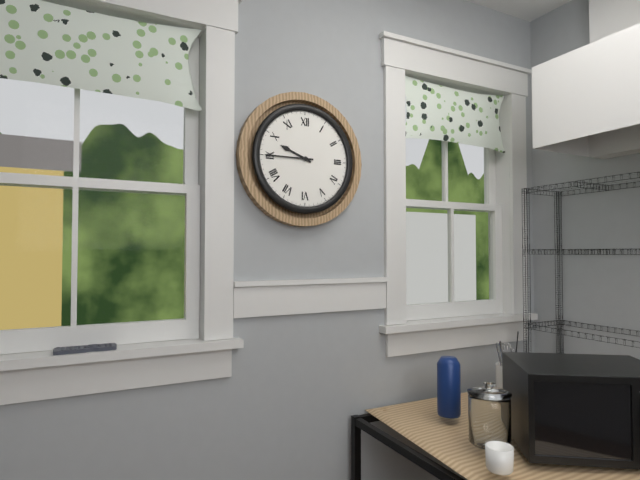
9:45
